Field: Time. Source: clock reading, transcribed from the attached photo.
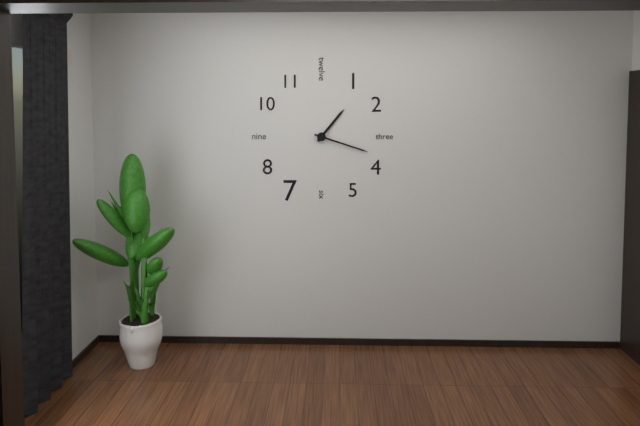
1:18
